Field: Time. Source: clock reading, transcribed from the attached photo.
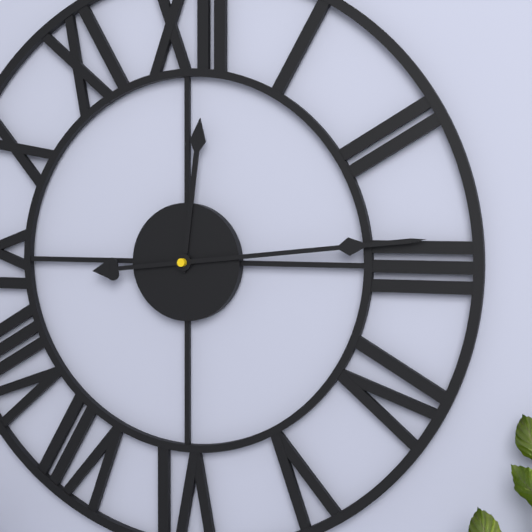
12:14
